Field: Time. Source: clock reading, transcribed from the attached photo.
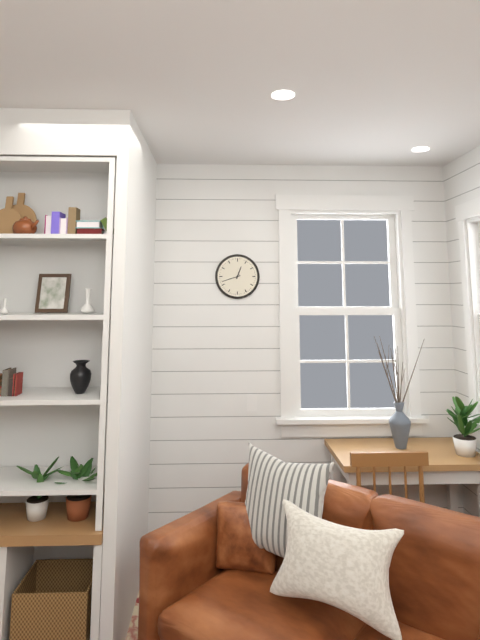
12:42
